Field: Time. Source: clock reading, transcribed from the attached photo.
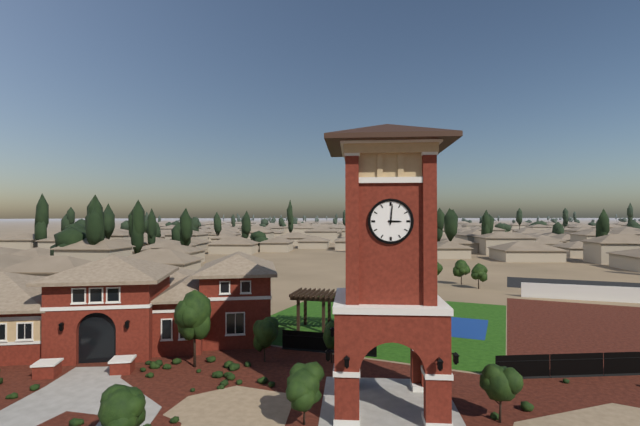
3:01
